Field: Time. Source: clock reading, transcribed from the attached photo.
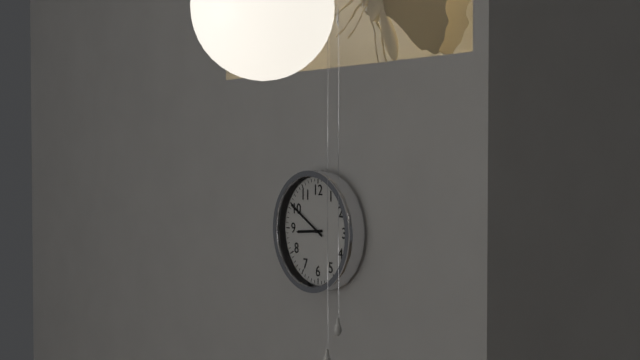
8:50
